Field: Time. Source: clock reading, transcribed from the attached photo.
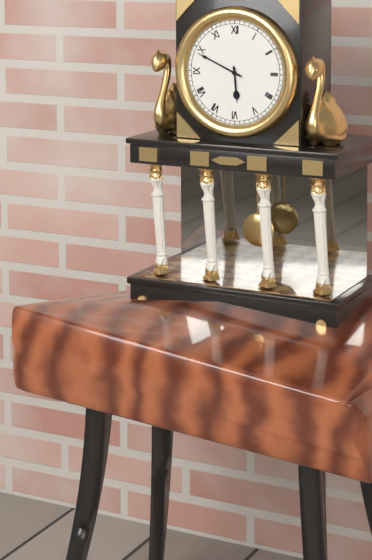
5:49
